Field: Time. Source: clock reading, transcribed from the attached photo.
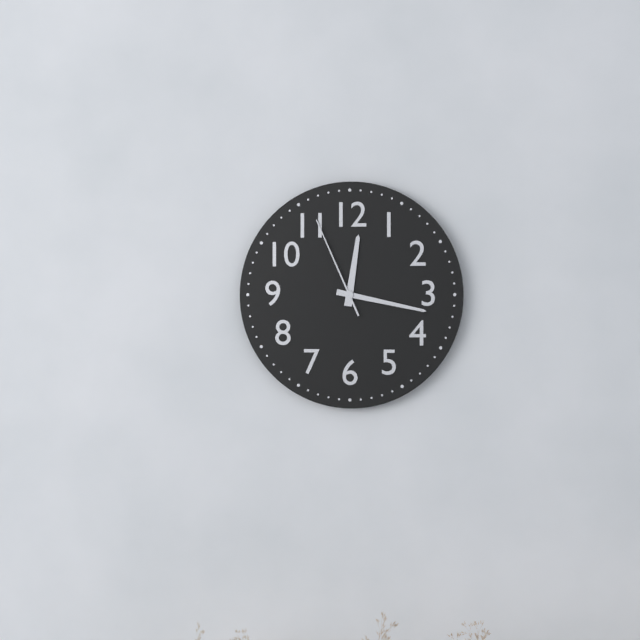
12:17:56
